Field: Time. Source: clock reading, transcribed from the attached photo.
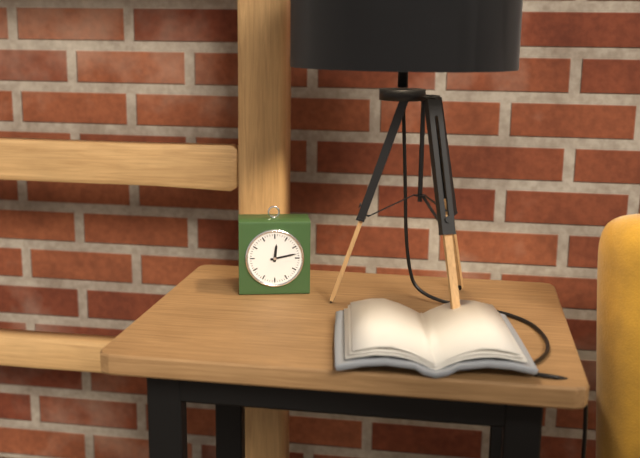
12:13
